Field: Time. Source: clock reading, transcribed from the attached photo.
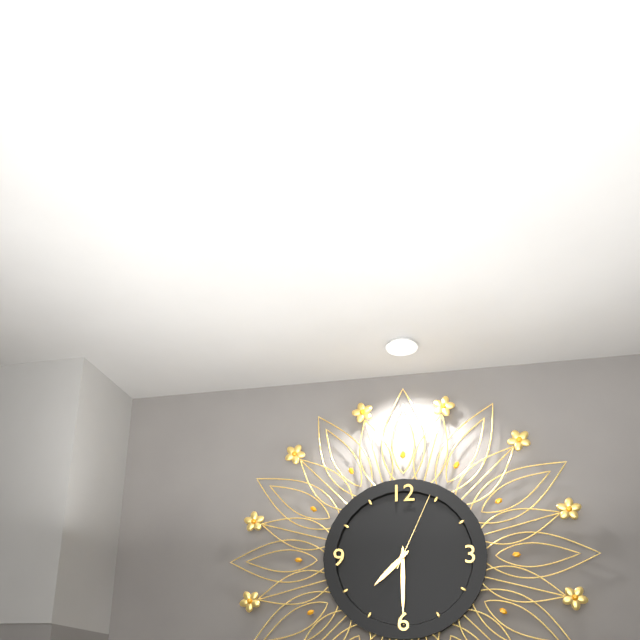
7:30:04
